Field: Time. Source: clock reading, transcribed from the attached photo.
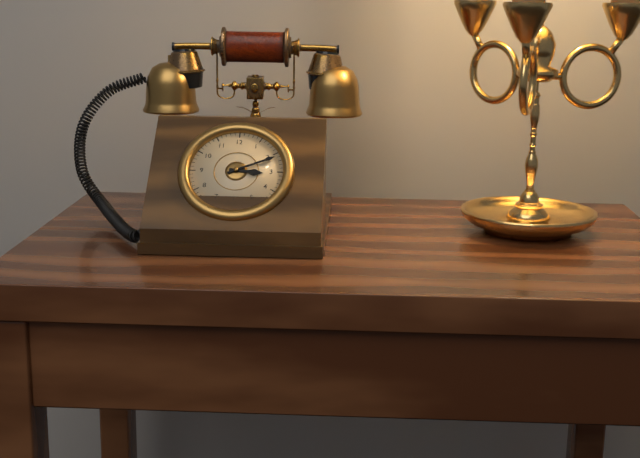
3:11
